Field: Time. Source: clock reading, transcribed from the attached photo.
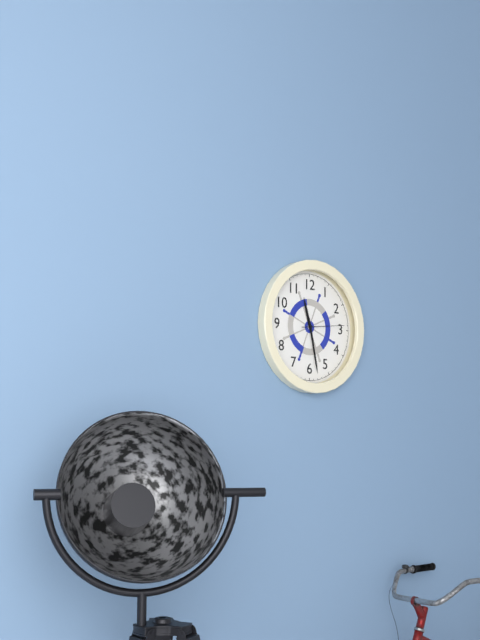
11:28
